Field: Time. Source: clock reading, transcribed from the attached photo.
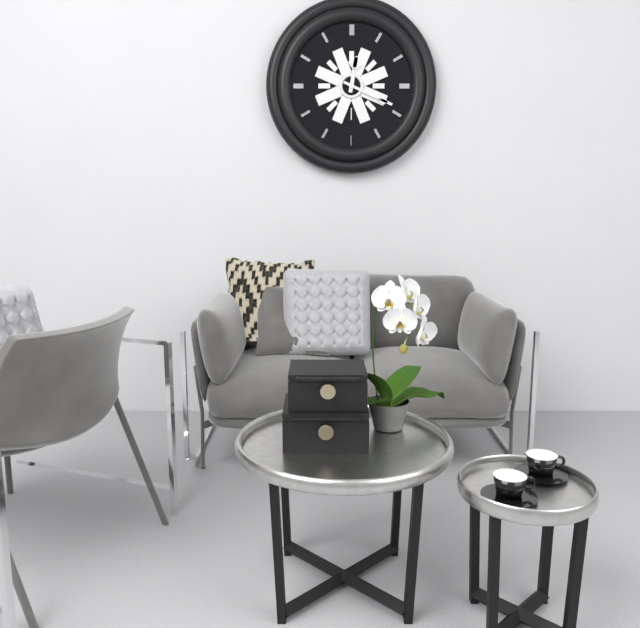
12:19
